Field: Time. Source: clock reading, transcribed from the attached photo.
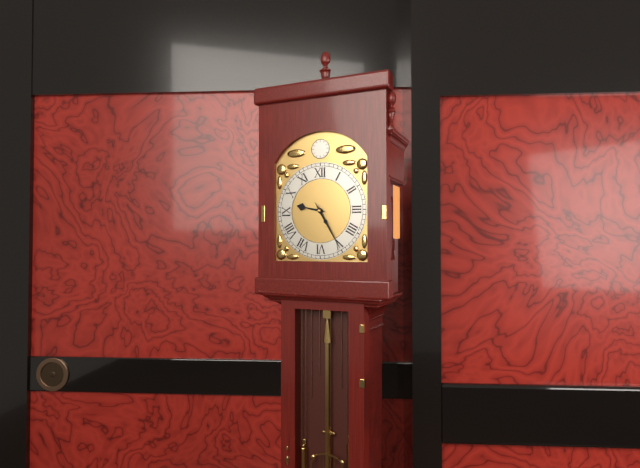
9:25
